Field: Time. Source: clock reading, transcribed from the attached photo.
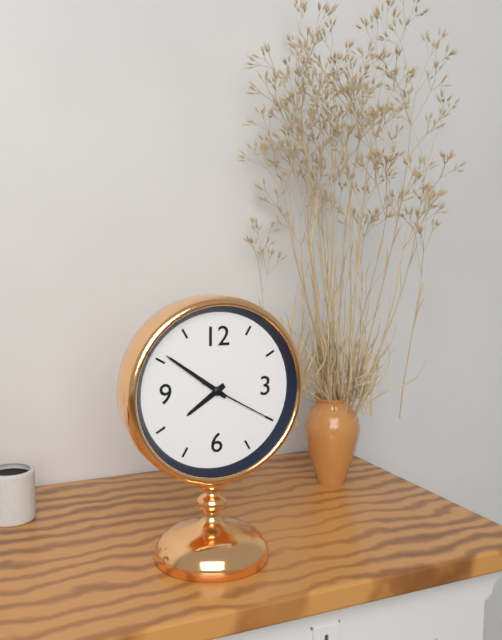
7:51:20
